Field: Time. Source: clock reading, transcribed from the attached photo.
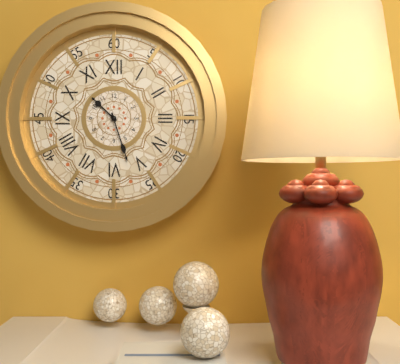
10:27
